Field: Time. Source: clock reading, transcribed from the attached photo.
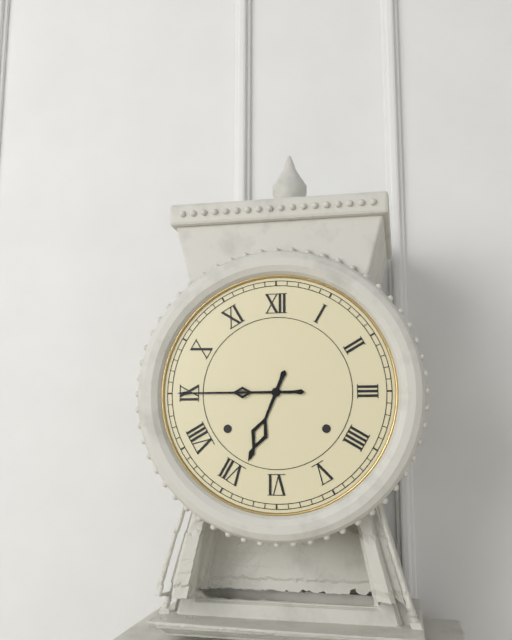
6:45
